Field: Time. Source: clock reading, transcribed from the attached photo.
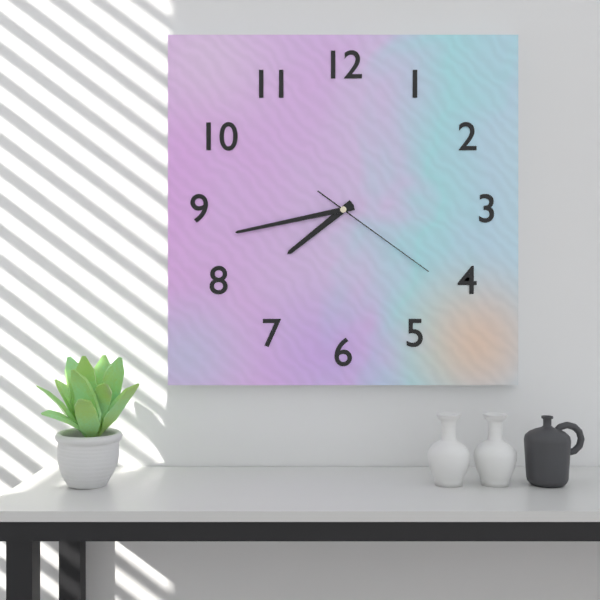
7:43:21
